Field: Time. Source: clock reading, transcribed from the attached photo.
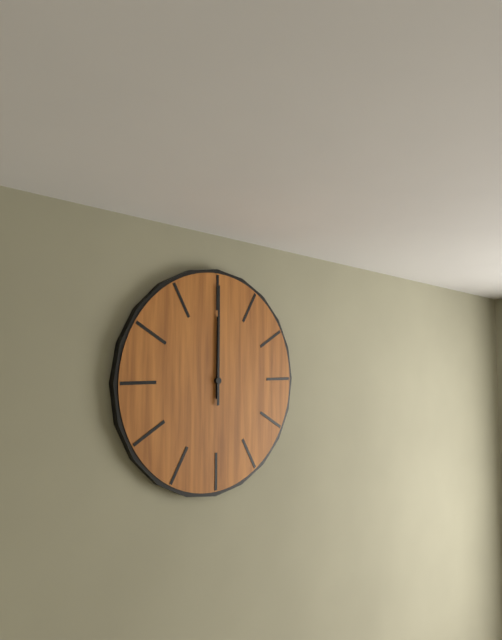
12:00
